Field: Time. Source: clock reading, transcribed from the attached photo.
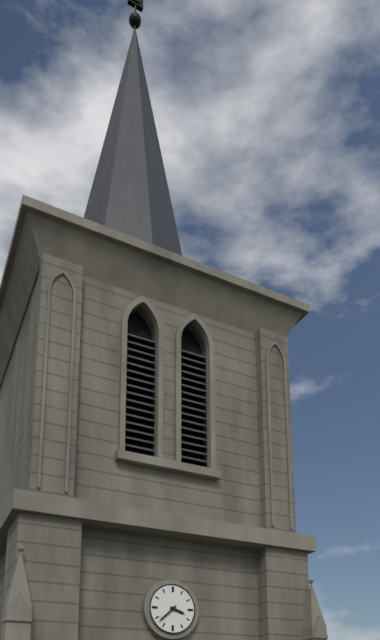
3:38
